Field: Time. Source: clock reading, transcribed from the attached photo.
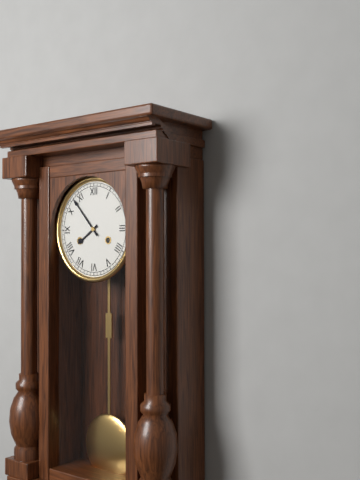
7:53
